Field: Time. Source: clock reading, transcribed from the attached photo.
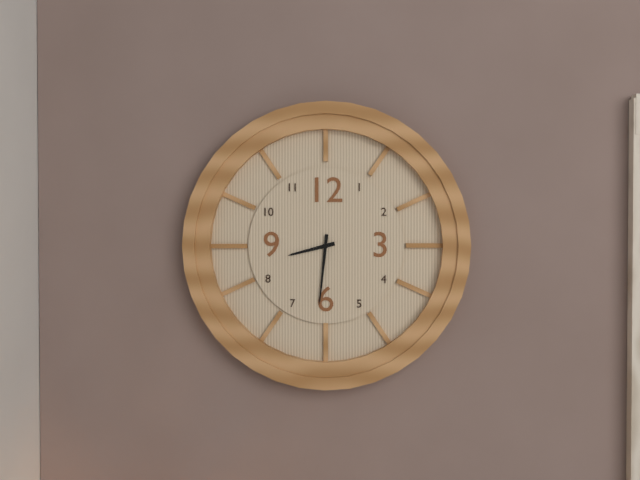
8:31
